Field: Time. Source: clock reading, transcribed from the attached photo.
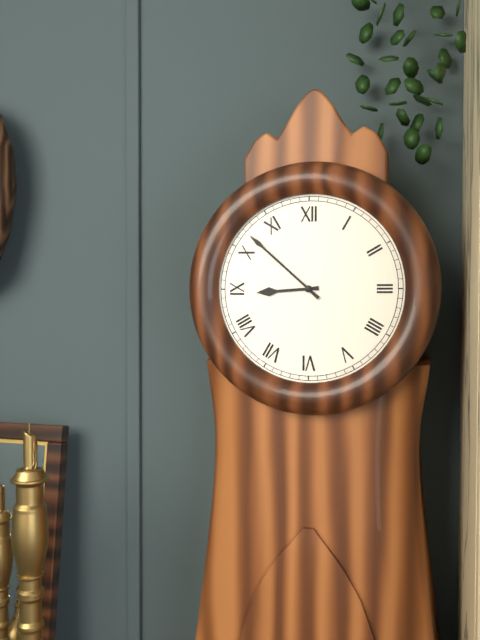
8:52
